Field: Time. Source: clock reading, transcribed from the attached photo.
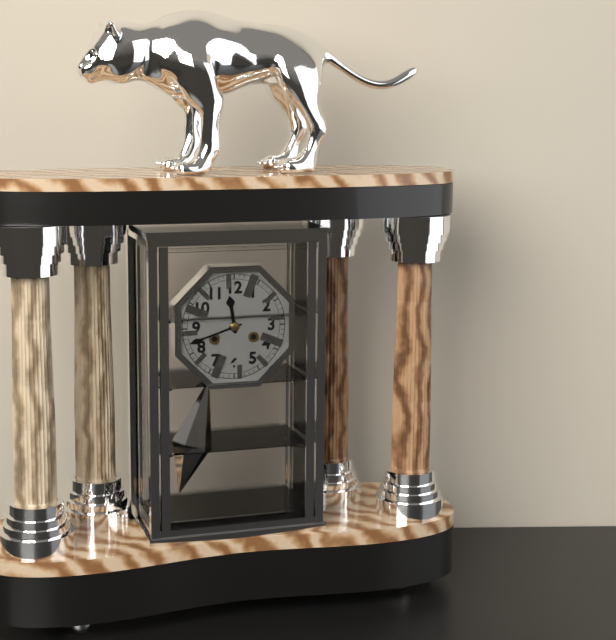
11:42
